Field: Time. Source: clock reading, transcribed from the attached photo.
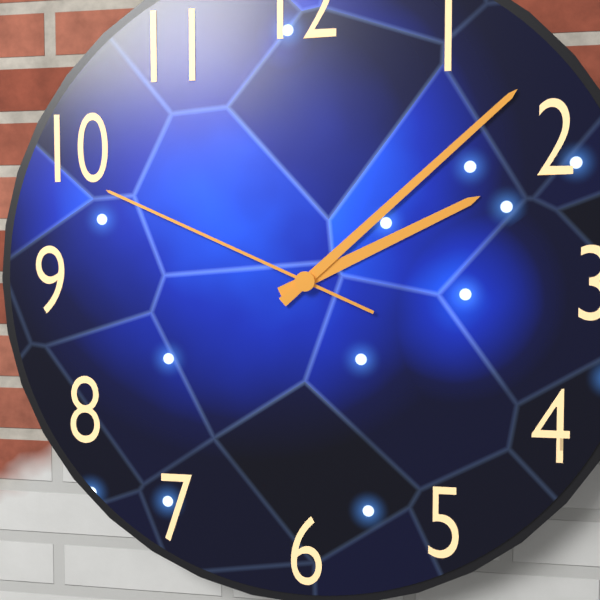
2:08:49
